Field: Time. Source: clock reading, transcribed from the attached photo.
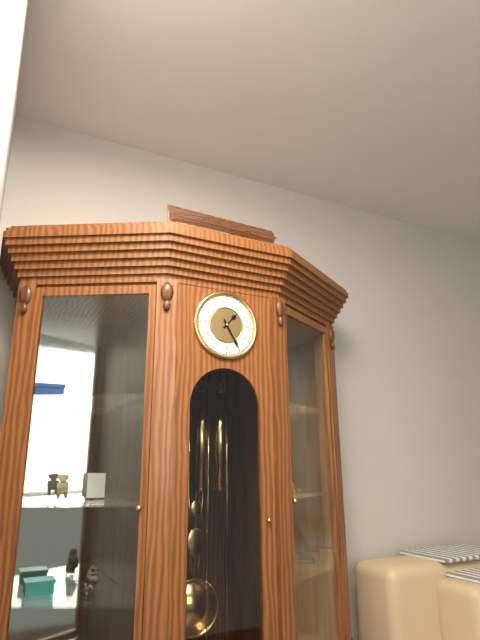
1:25
